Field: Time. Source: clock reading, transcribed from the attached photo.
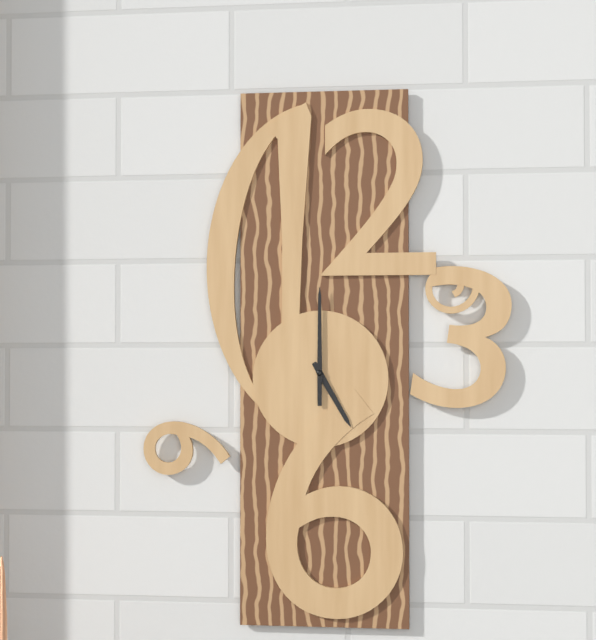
5:00
